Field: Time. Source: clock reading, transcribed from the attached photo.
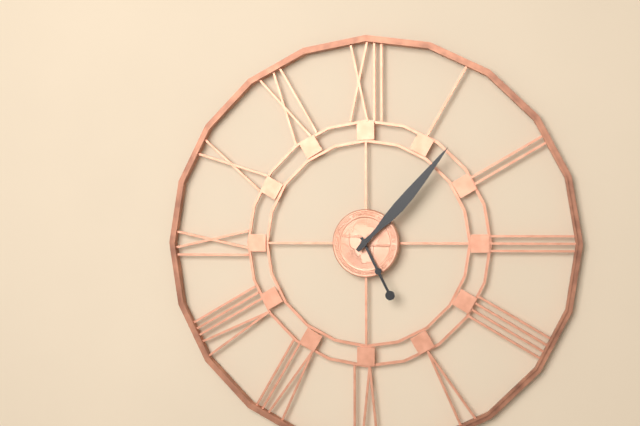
5:07
